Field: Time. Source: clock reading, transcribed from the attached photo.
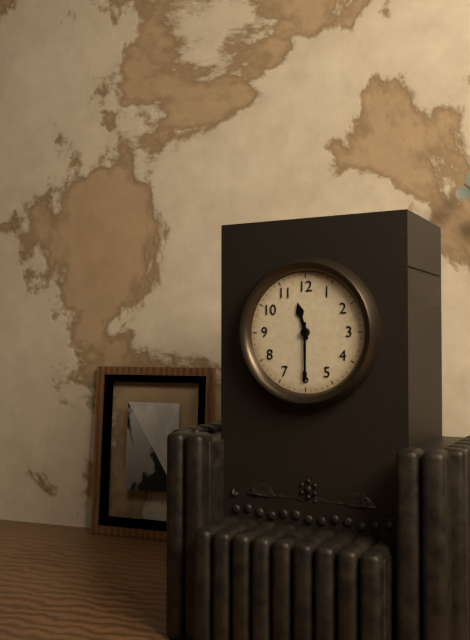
11:30
